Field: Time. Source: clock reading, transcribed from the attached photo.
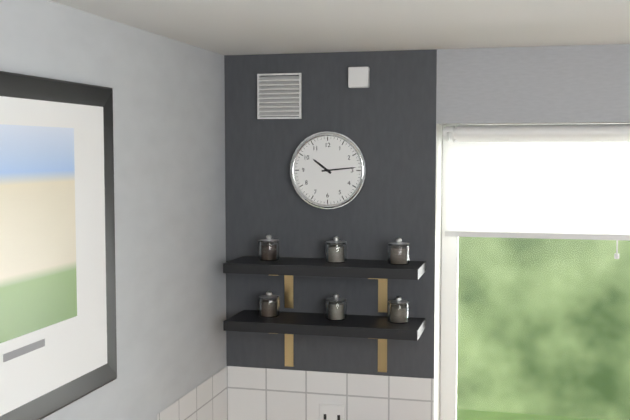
10:14
